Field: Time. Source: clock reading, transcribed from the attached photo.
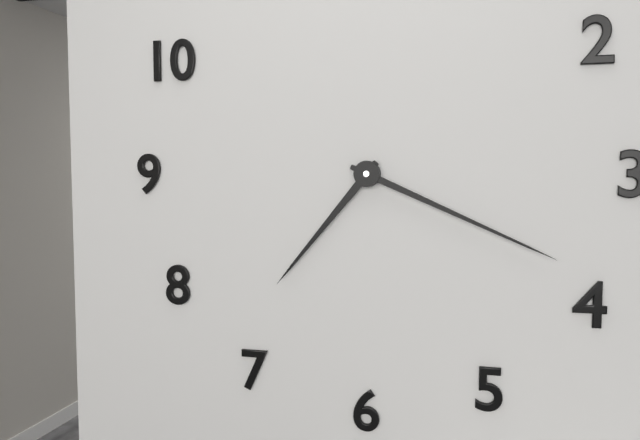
7:19
